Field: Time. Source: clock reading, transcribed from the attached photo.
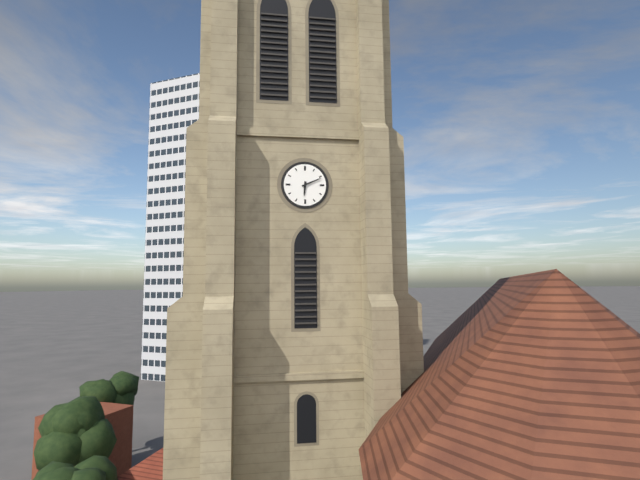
6:11
